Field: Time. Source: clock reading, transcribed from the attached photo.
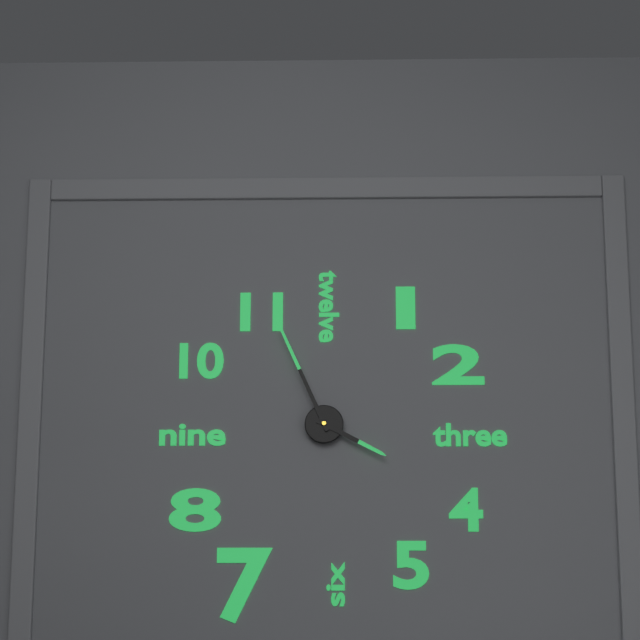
3:56
